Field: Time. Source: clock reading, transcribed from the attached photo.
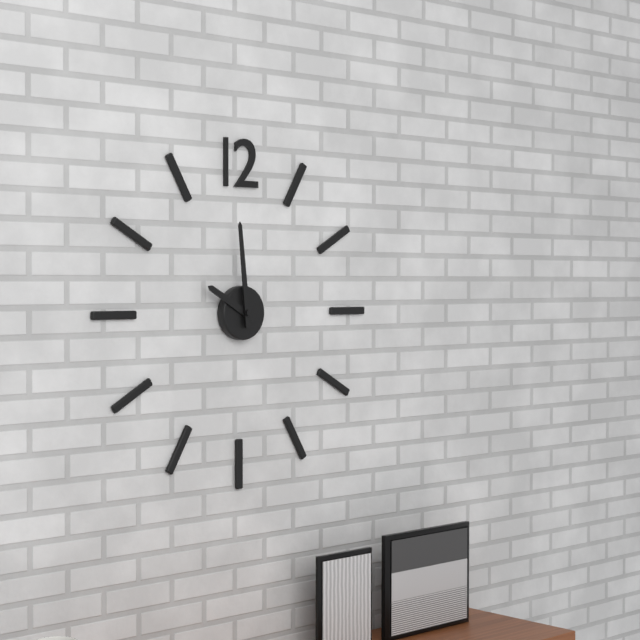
9:59
